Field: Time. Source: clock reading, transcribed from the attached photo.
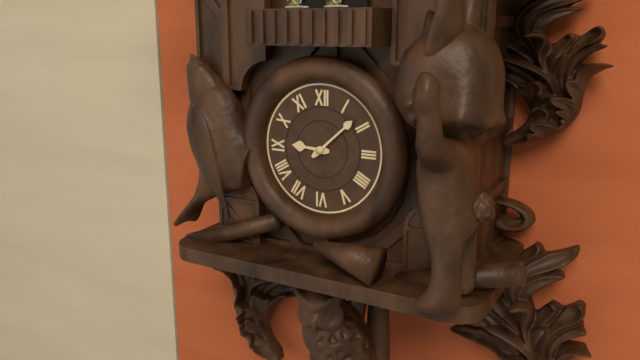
9:08
